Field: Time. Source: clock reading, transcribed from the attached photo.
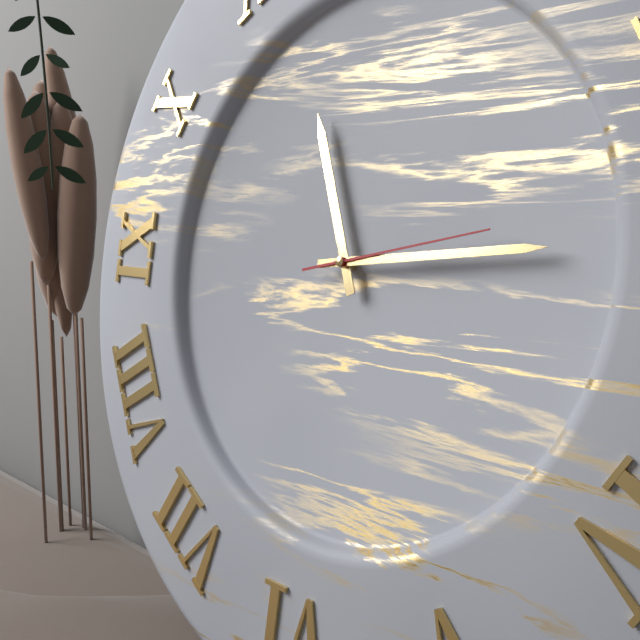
11:14:13
